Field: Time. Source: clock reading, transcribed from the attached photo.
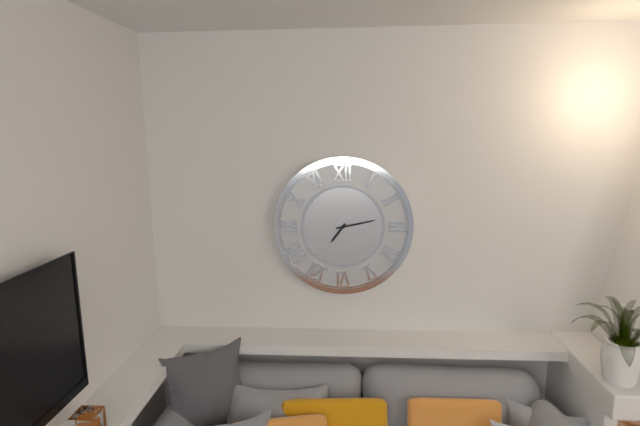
7:13
